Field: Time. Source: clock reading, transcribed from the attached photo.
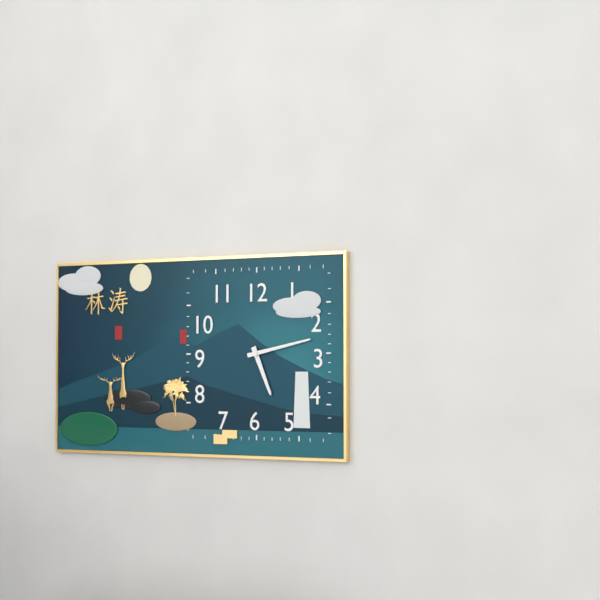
5:13
